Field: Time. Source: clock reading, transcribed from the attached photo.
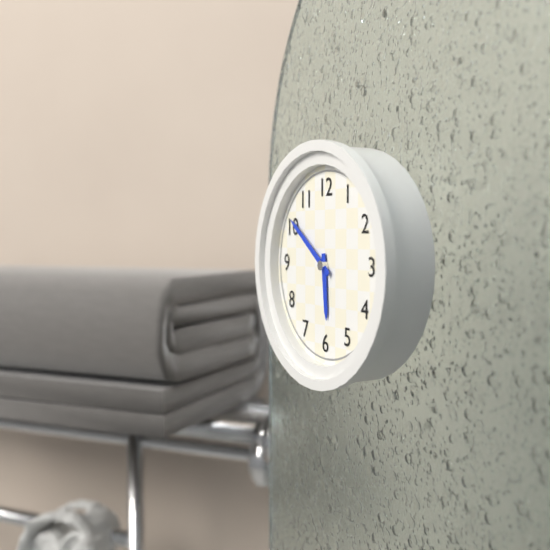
5:51
